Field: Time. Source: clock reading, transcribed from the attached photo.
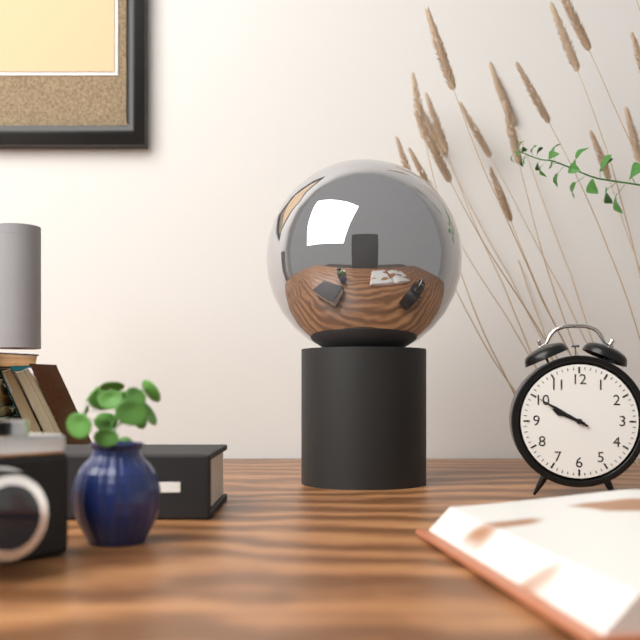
9:50
